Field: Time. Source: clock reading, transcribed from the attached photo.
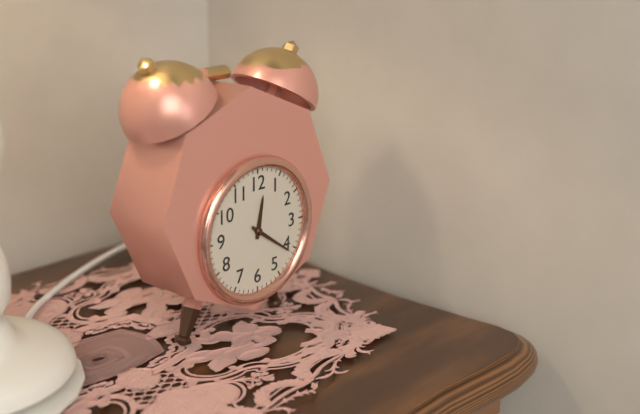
12:21
